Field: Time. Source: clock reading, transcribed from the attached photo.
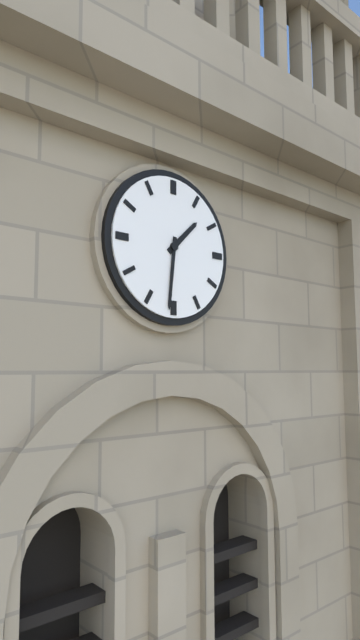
1:31
